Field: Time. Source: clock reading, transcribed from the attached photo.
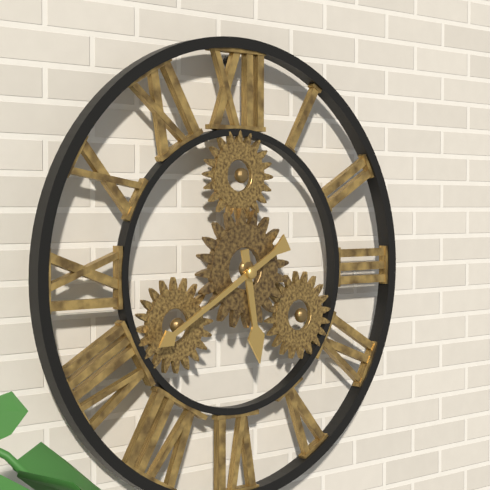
5:40
